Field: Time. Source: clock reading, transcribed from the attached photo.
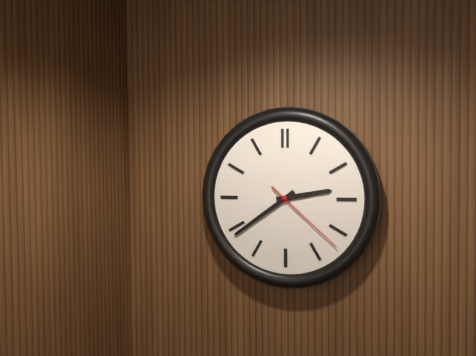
2:39:22
